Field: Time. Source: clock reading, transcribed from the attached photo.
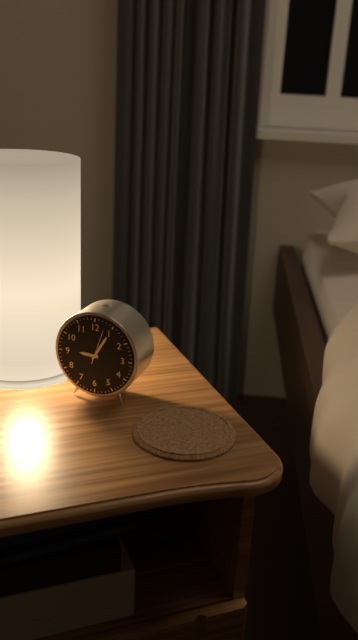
9:05
